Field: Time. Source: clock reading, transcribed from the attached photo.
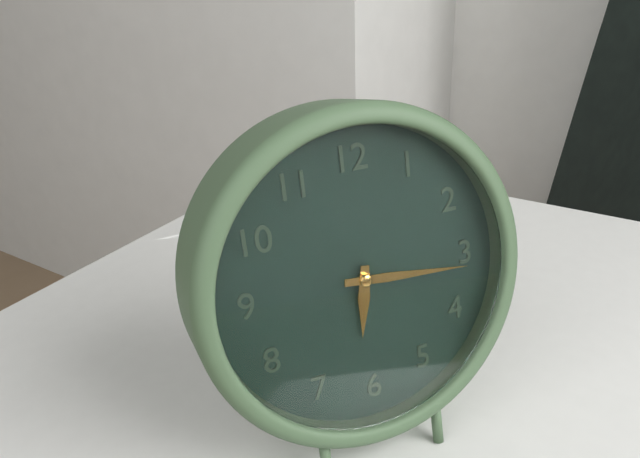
6:16
